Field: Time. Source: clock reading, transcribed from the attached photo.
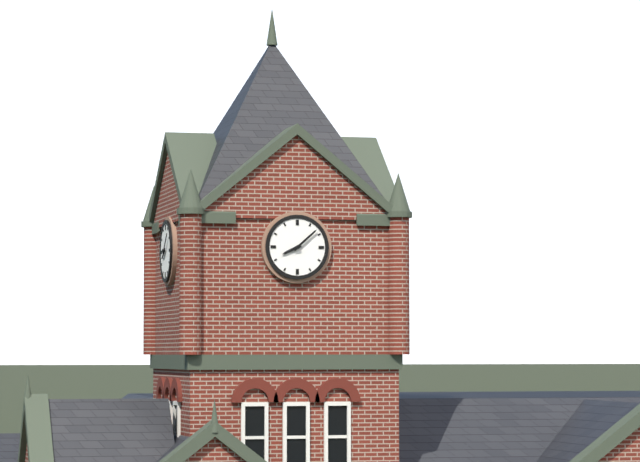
8:08
